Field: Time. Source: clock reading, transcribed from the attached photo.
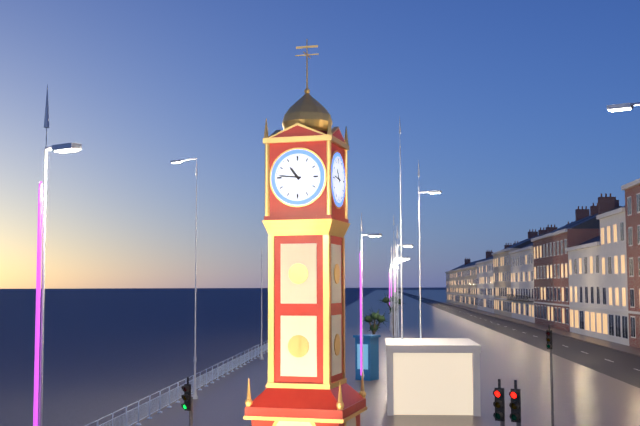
10:46
